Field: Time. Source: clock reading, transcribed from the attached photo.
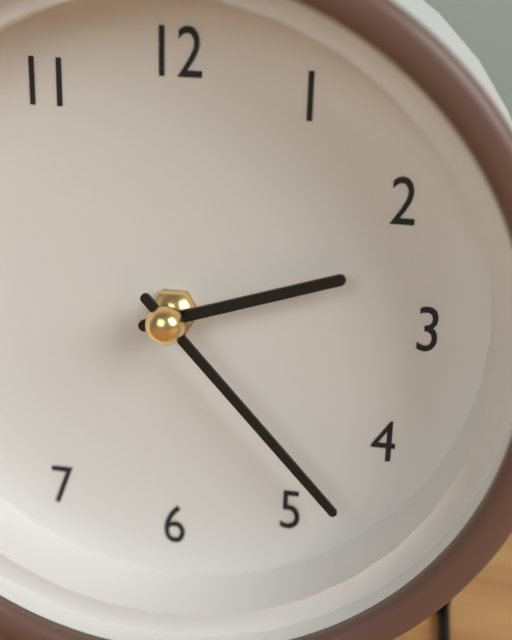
2:23
